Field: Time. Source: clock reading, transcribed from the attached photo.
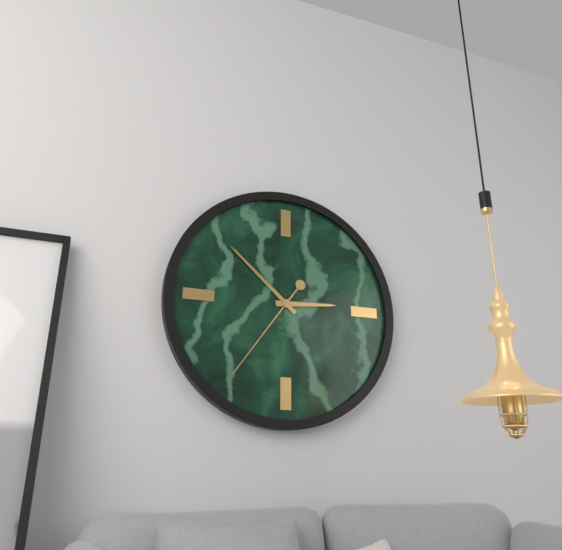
2:52:36
